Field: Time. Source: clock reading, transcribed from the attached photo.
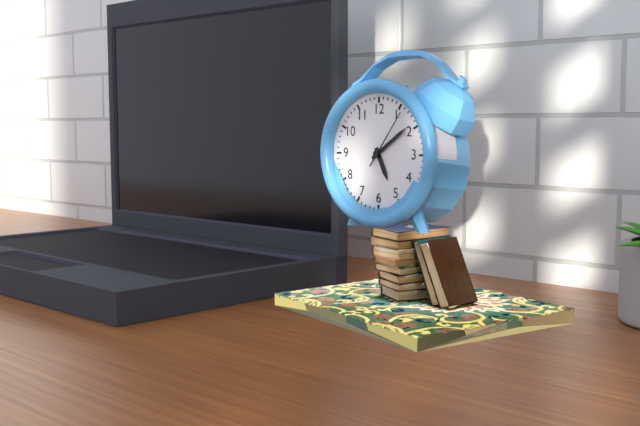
5:09:06
